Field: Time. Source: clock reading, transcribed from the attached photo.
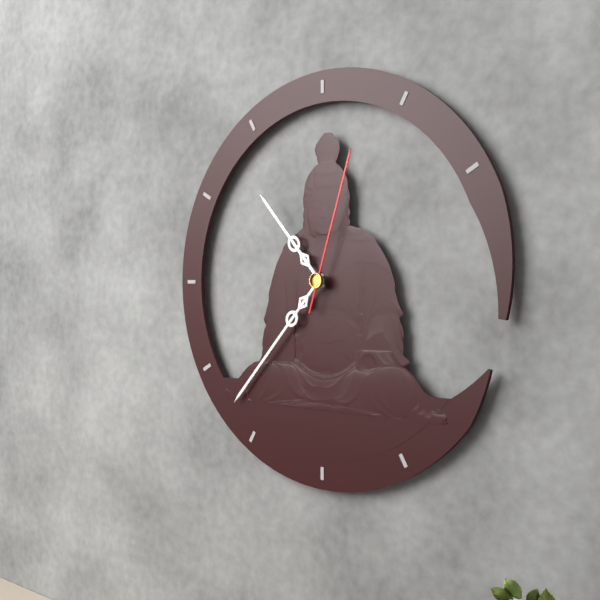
10:37:03
